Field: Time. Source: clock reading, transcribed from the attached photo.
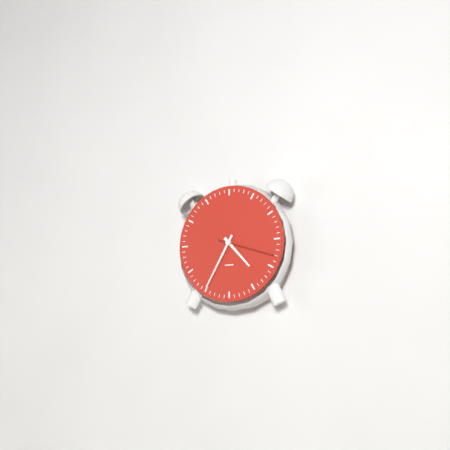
4:35:18
